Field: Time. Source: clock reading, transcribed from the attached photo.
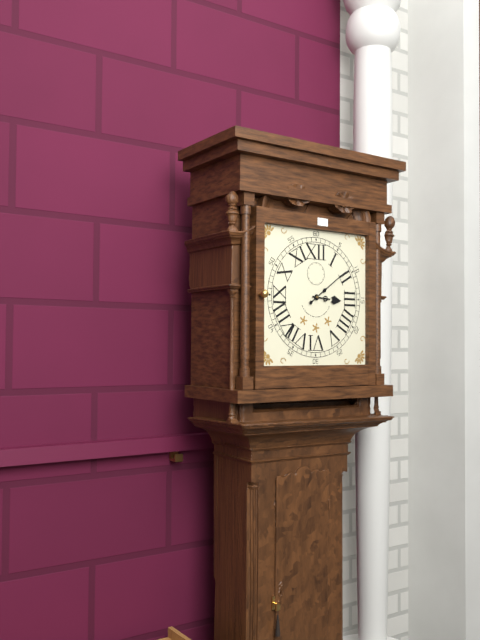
3:09
